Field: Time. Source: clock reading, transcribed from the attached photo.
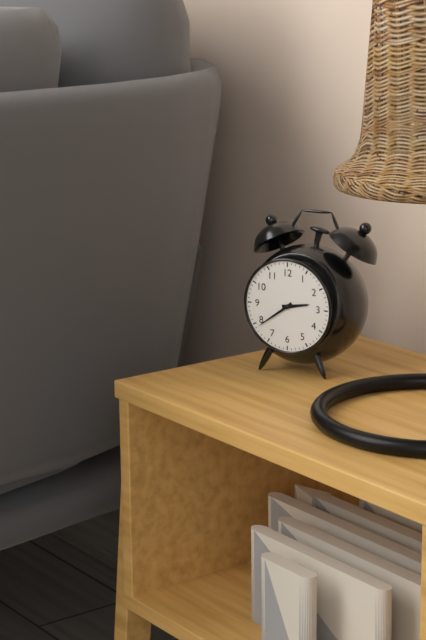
2:39
